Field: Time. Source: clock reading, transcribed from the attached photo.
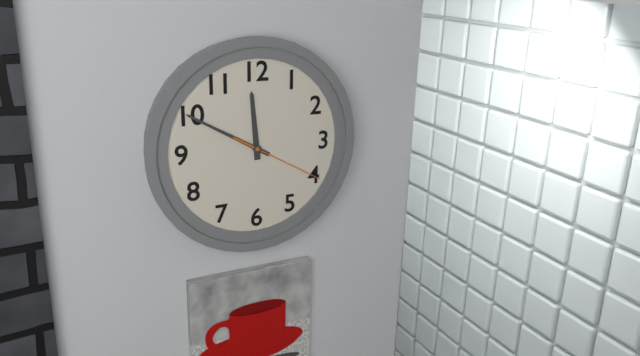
11:50:20
